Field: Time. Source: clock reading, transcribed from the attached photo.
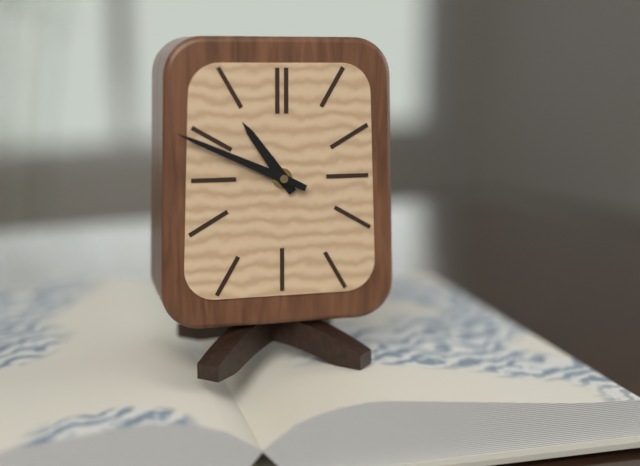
10:49
